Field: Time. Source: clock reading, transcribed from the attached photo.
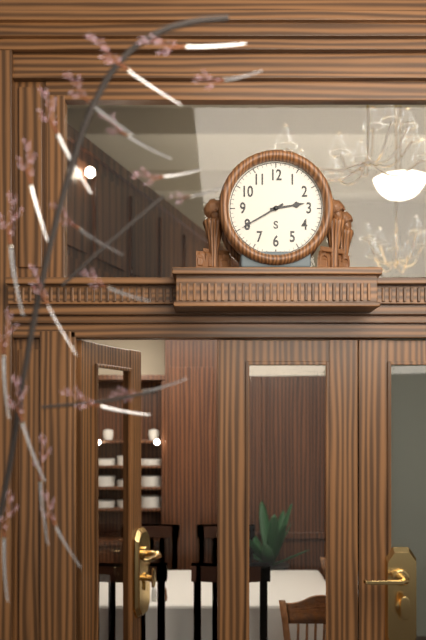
2:40
